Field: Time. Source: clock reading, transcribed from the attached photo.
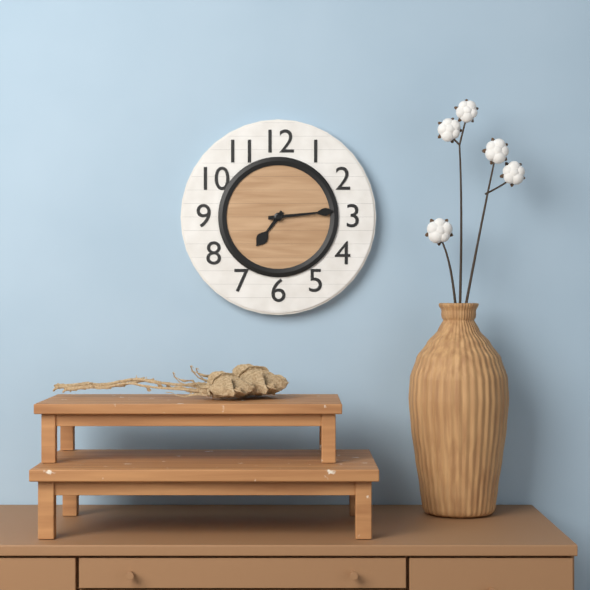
7:14
